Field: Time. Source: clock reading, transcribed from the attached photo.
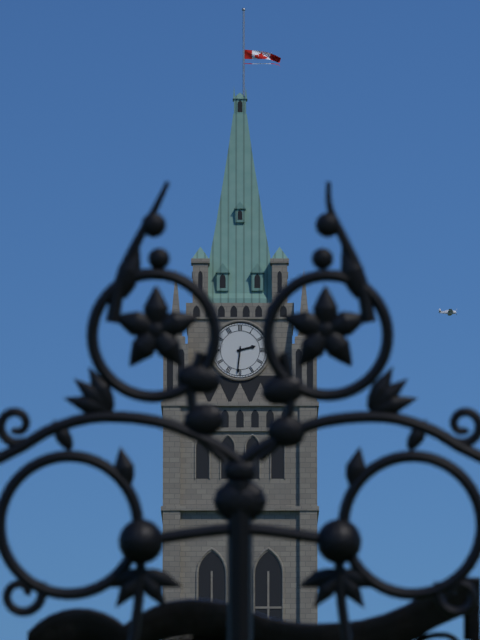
2:31
